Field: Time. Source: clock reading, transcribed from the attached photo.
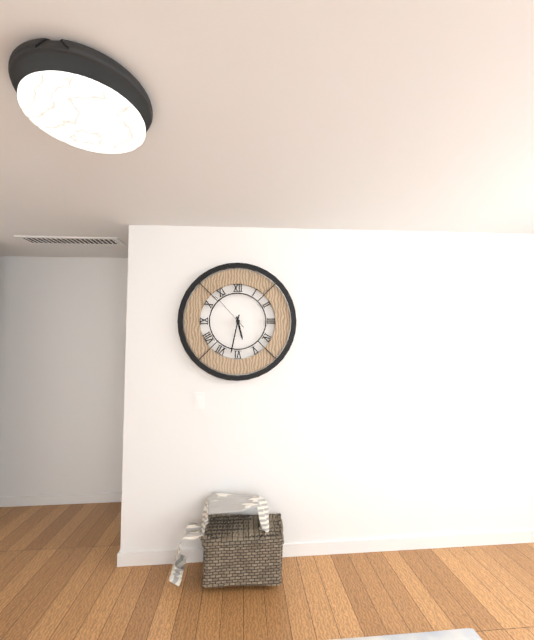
5:32
